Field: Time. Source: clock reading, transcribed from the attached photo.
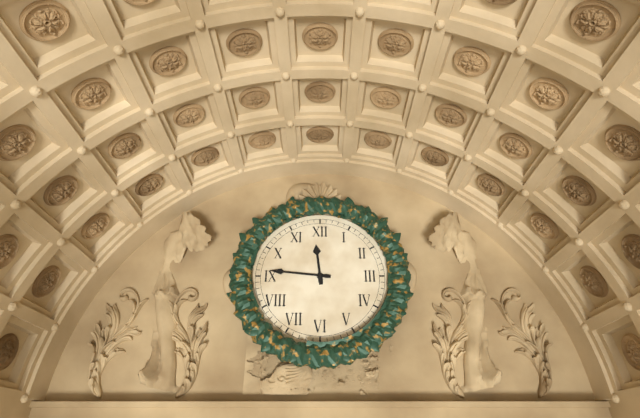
11:46
